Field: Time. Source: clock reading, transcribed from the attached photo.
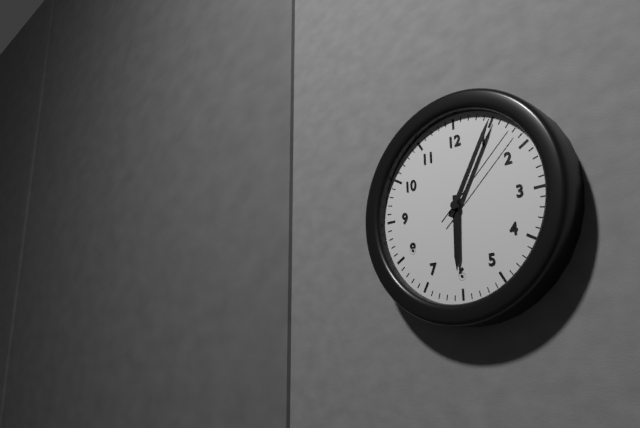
6:05:08
